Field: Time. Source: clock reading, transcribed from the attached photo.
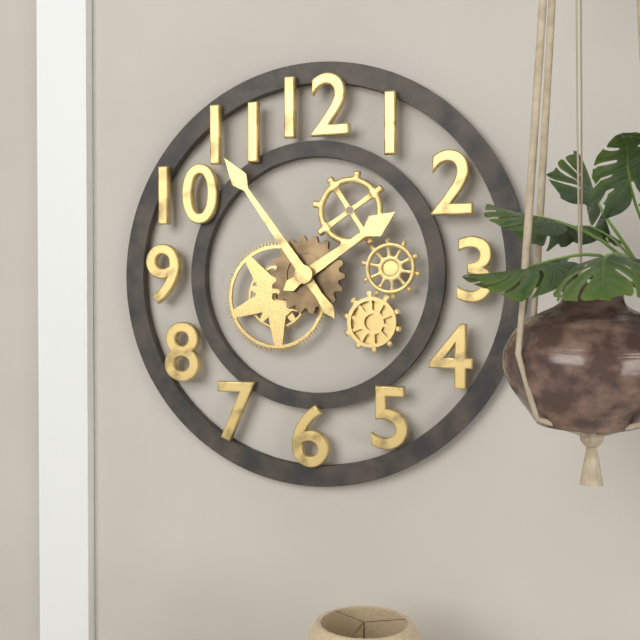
1:54
